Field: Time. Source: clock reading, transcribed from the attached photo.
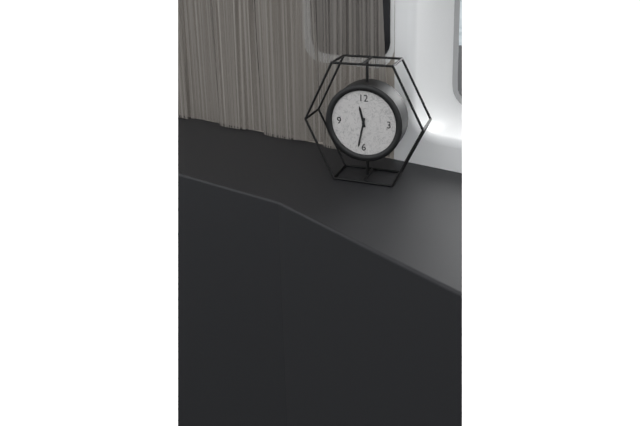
11:32
